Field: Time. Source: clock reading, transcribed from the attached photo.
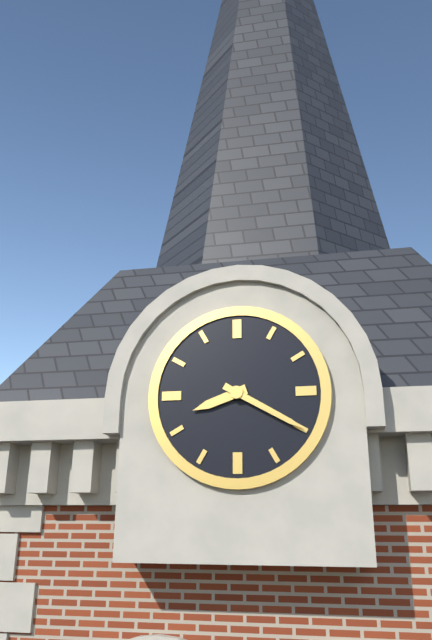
8:20
